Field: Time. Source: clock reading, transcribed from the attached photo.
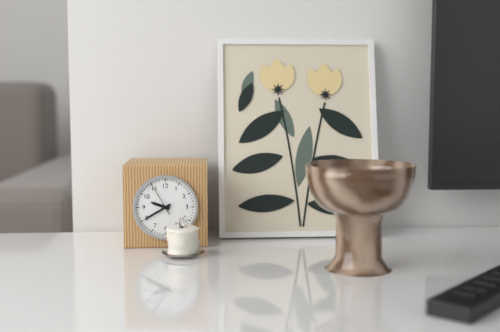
9:40
